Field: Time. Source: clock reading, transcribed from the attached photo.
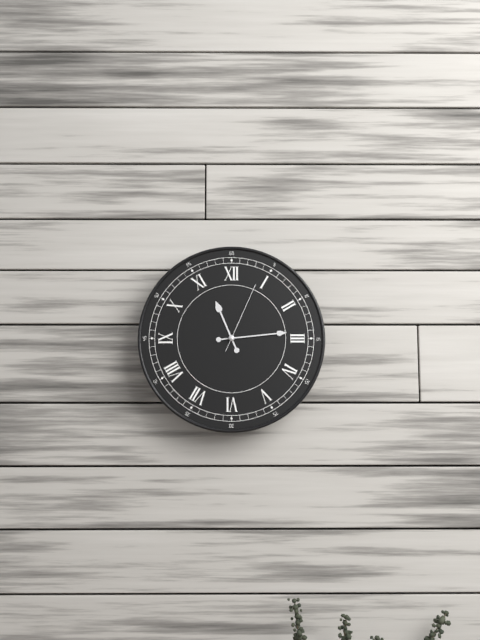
11:14:04
